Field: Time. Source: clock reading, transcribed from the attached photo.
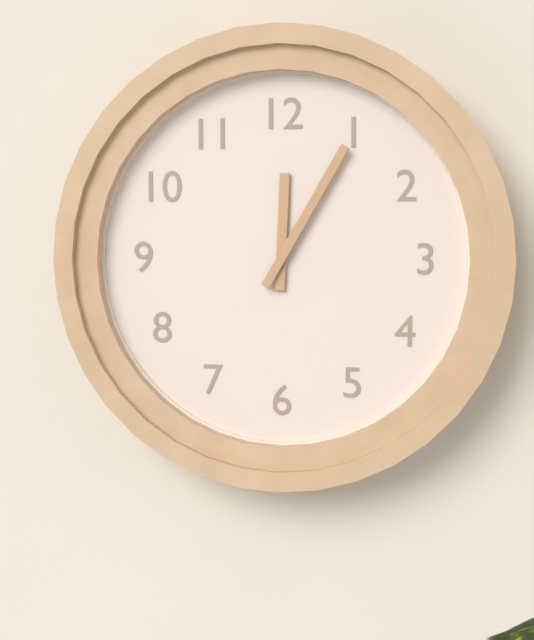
12:05
